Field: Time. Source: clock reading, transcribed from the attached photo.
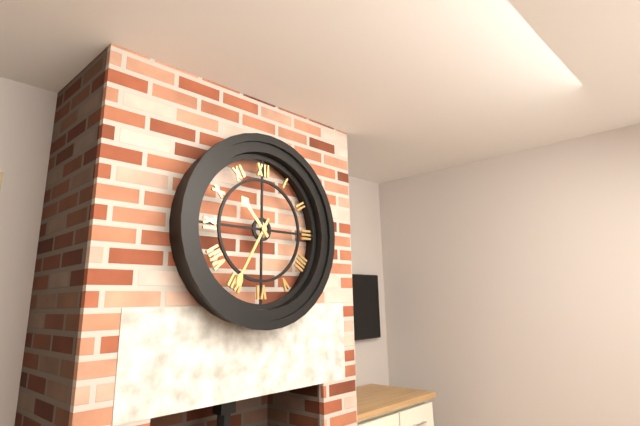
10:35
